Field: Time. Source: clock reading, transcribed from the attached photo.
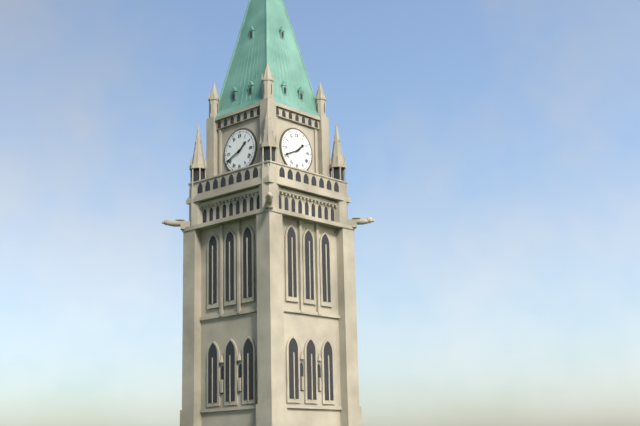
1:41
